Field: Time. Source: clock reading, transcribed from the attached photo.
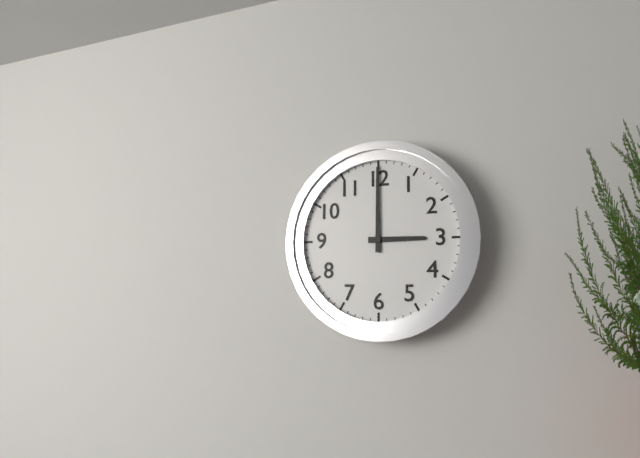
3:00
